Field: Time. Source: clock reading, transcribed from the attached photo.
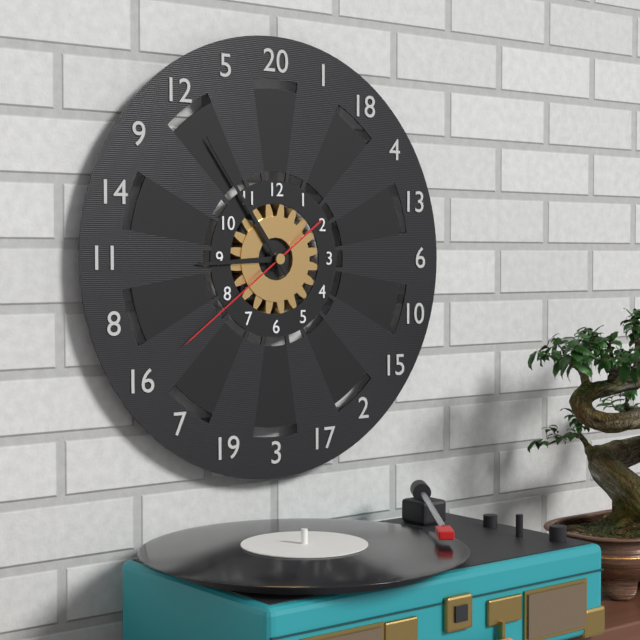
8:54:39
